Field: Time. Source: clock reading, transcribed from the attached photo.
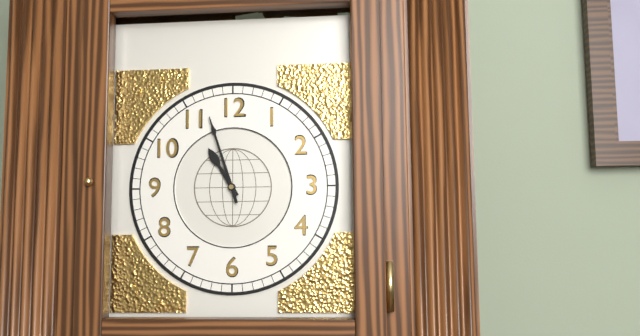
10:57
